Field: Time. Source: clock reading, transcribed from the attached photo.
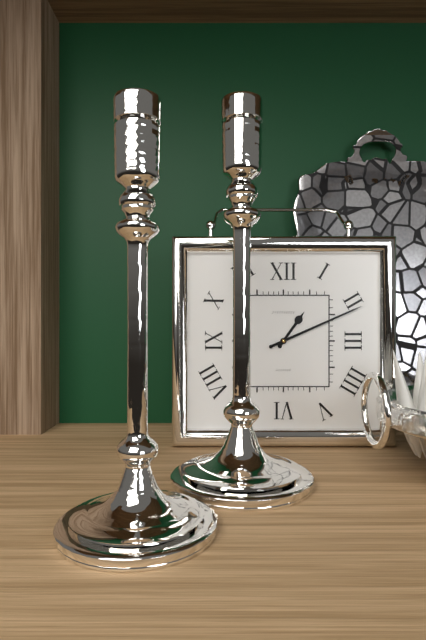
1:11
